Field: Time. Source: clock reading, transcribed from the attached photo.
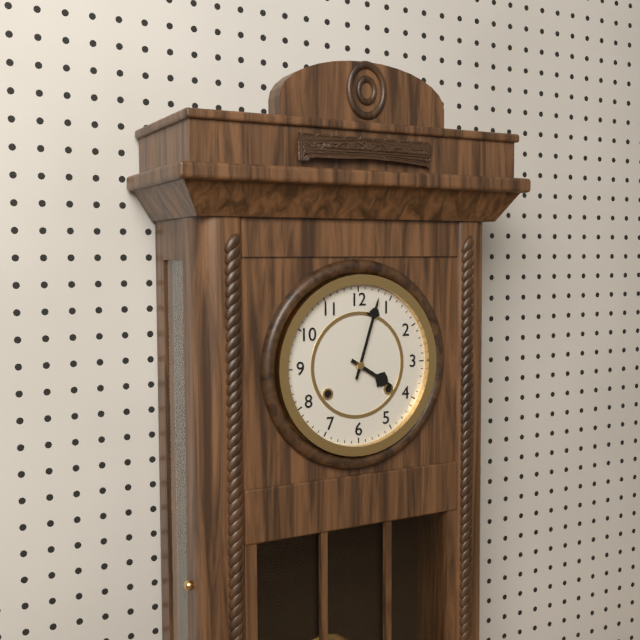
4:03
